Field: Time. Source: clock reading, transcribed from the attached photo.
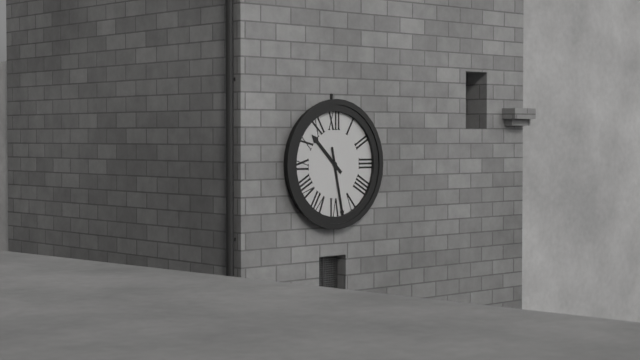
10:28
